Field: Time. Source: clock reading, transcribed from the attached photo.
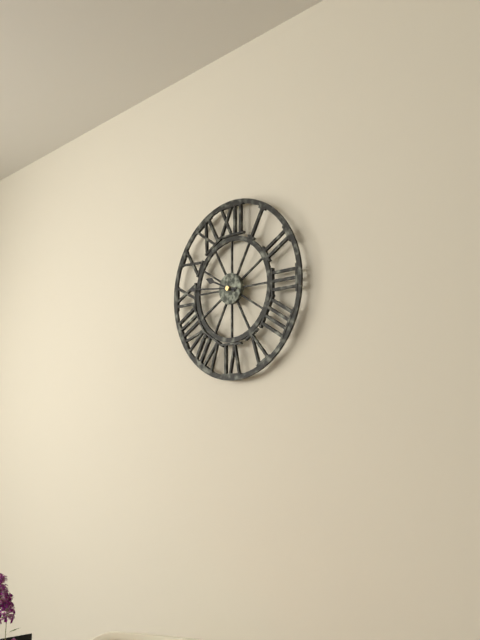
9:46
